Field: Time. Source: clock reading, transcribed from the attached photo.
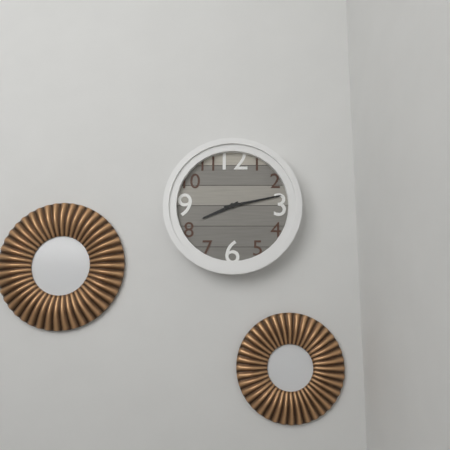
8:13
